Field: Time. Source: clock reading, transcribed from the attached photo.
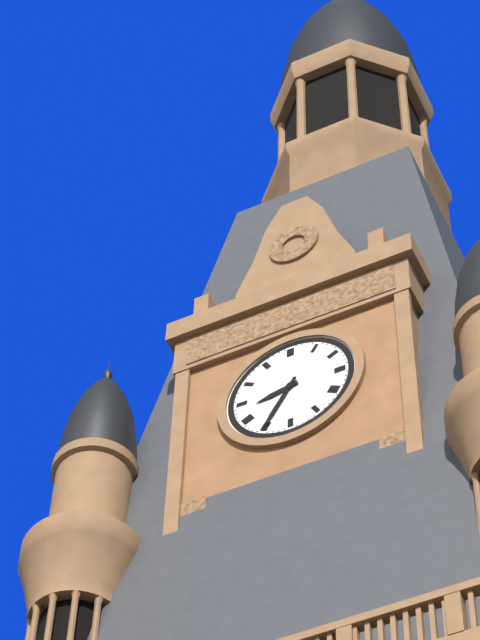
8:35
